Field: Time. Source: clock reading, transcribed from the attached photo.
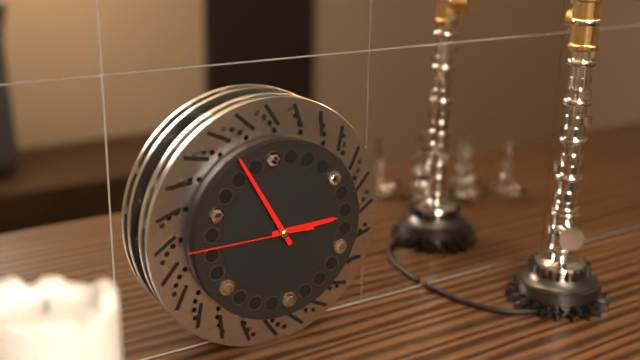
2:55:45
